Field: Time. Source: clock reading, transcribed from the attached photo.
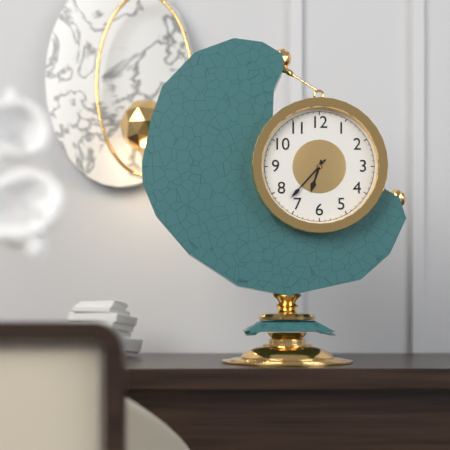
6:37
